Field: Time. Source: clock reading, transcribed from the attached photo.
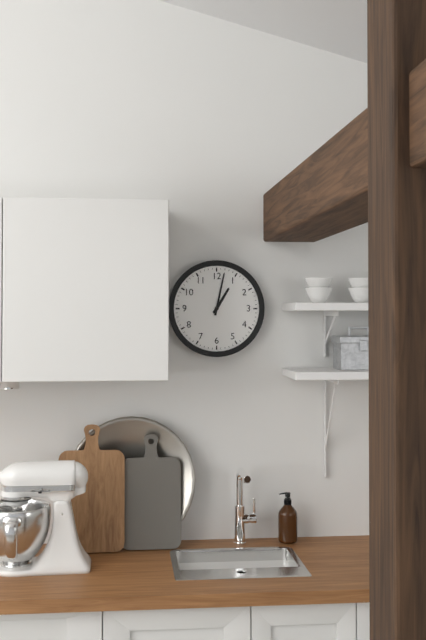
1:02
